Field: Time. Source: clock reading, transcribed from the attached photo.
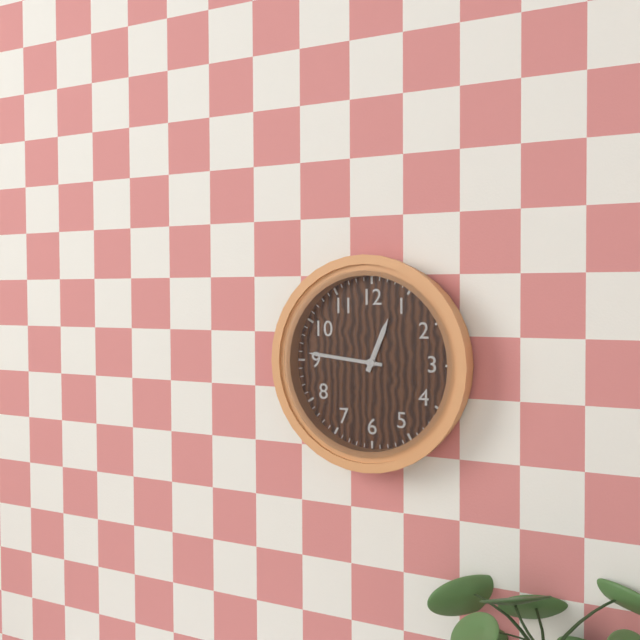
12:46
